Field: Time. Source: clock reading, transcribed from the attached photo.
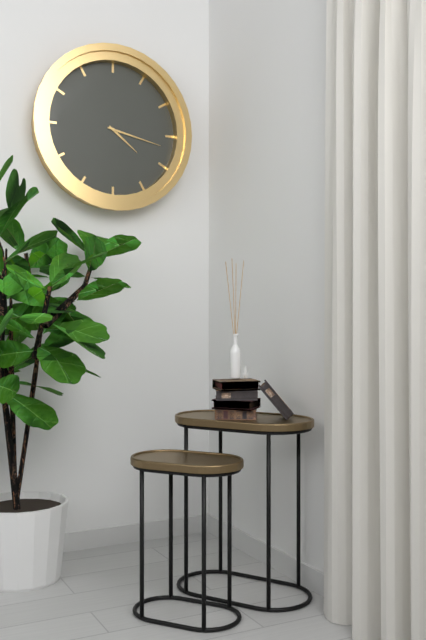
4:17
